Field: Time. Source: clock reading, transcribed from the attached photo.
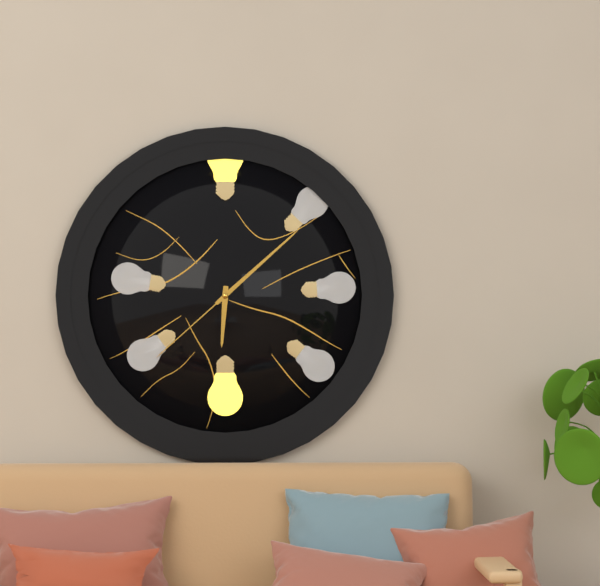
6:08:38
